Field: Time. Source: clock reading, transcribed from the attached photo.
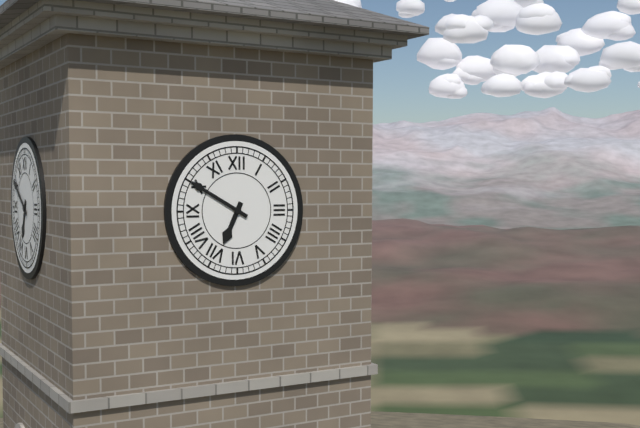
6:50
